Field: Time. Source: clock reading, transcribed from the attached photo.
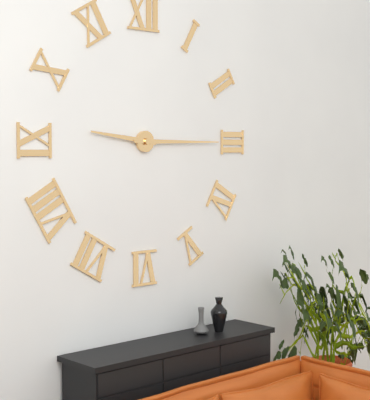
9:15
